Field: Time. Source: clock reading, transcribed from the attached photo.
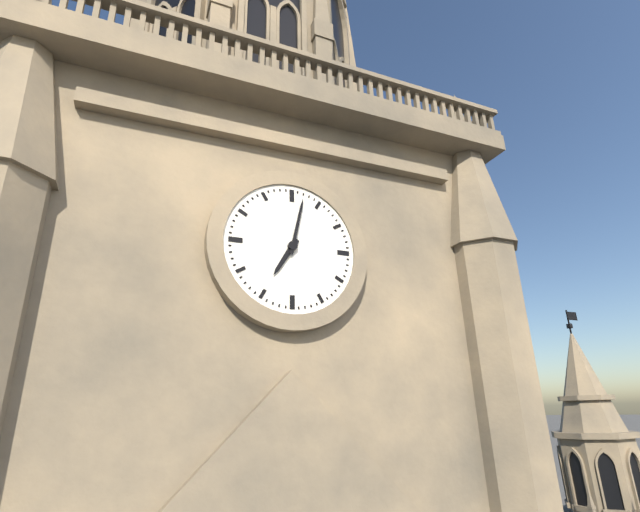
7:02
